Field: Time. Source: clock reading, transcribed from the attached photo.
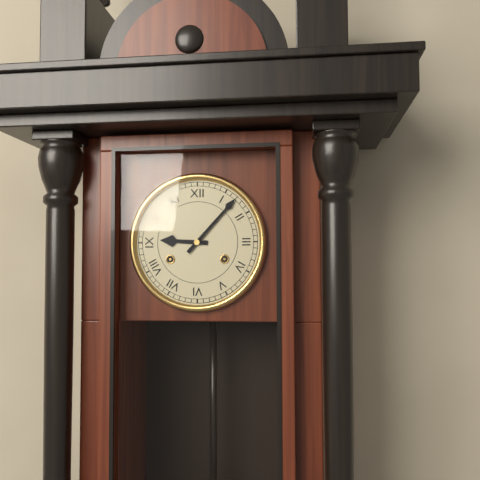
9:07
